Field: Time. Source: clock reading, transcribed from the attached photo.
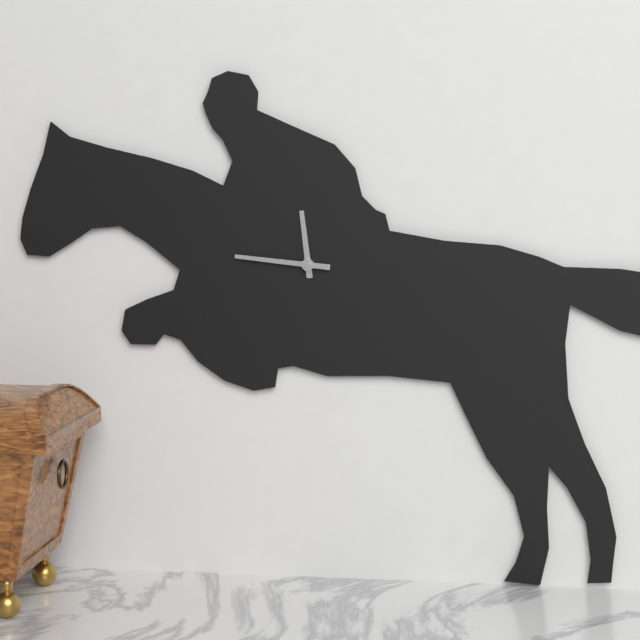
11:46
